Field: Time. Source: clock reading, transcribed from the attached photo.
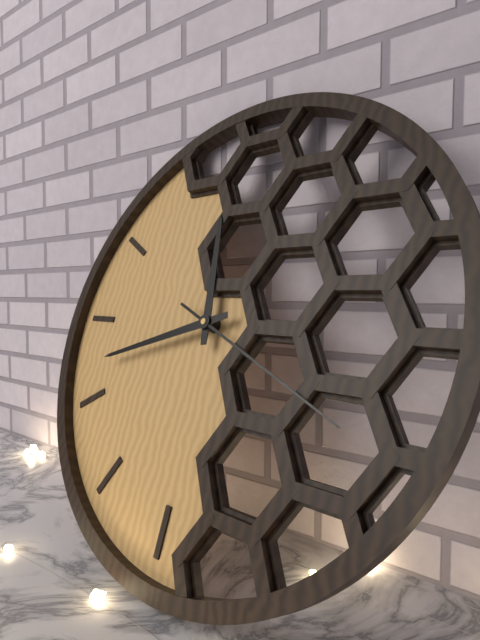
11:42:19
